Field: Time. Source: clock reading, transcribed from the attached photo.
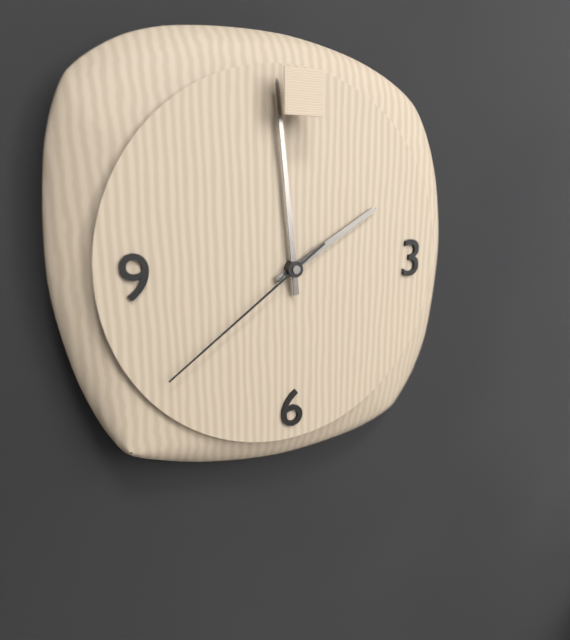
1:59:39
